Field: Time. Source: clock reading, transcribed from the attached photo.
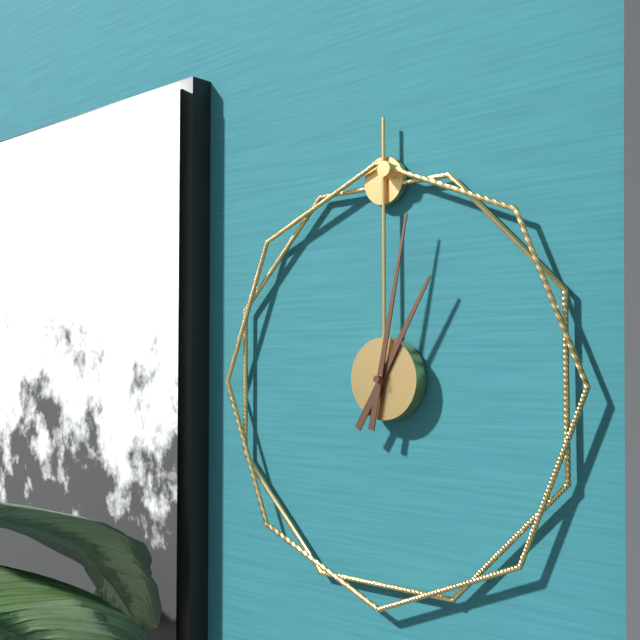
1:02
